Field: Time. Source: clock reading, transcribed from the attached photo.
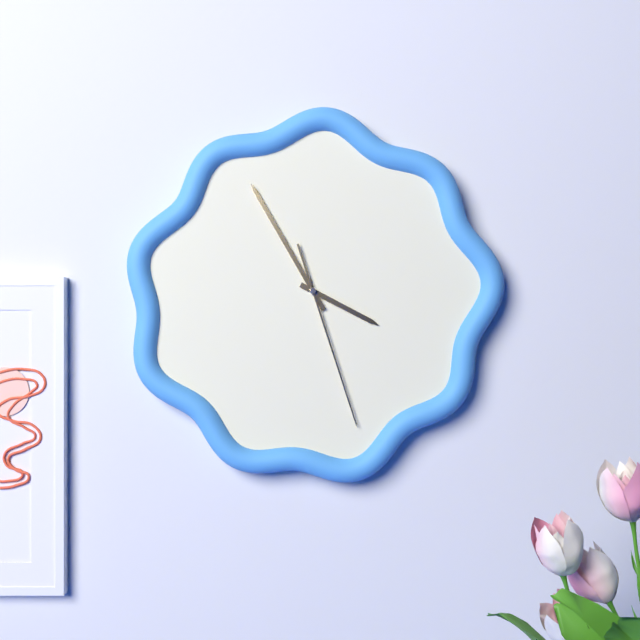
3:55:27
